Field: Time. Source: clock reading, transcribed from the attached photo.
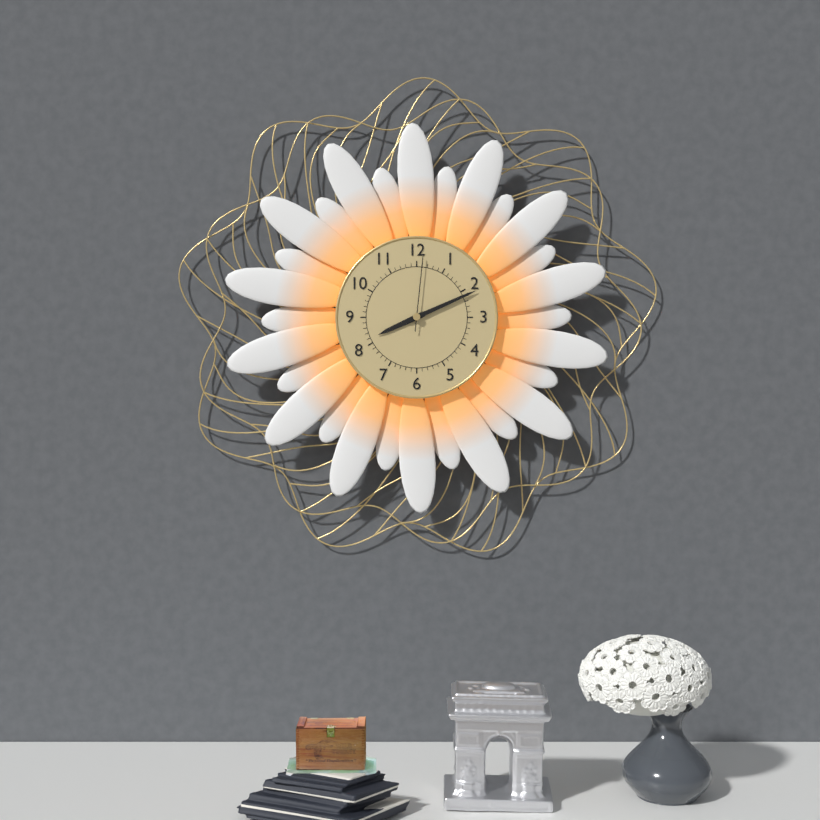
8:11:01
